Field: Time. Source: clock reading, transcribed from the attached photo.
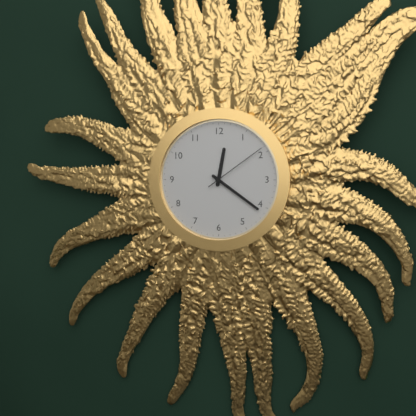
12:21:09
